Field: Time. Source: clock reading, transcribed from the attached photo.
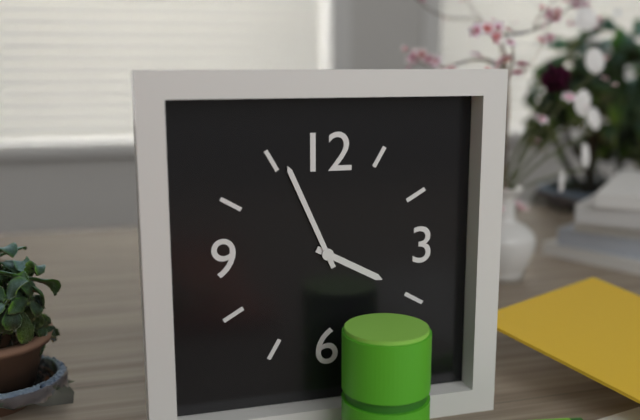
3:56
